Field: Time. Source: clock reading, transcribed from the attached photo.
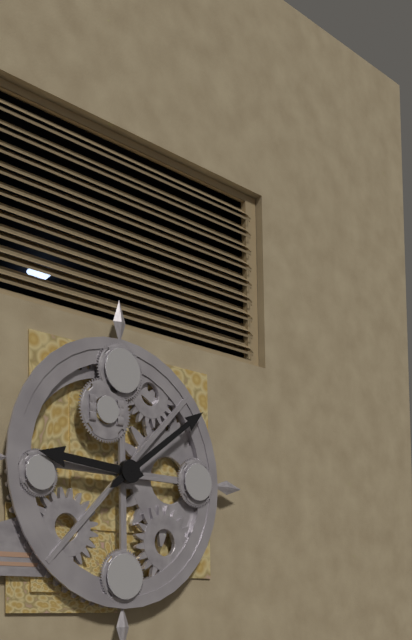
9:09
